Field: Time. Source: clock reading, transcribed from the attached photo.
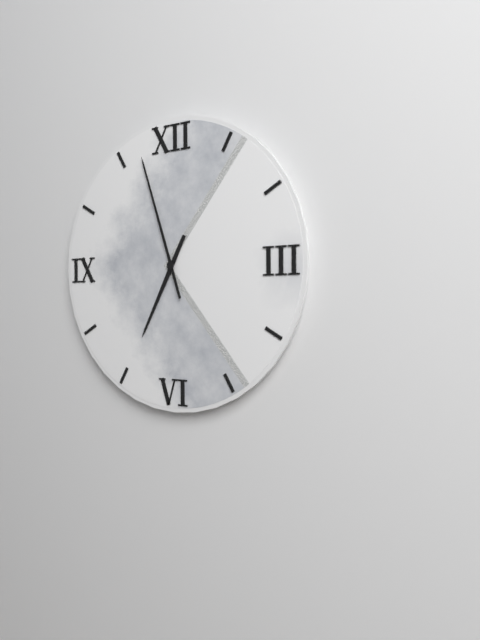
6:57
